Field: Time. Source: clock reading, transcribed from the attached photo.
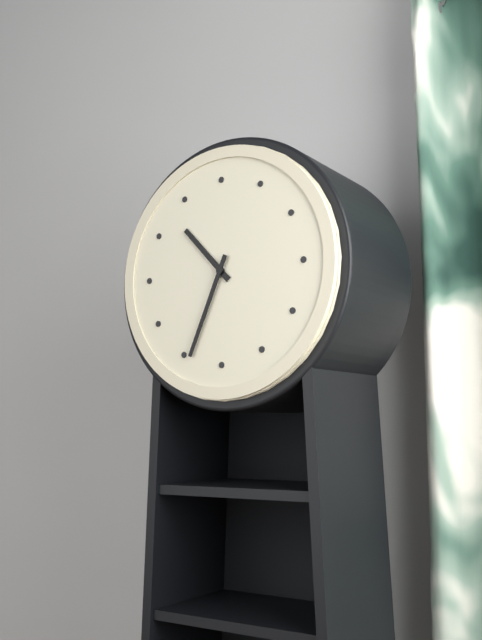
10:34
